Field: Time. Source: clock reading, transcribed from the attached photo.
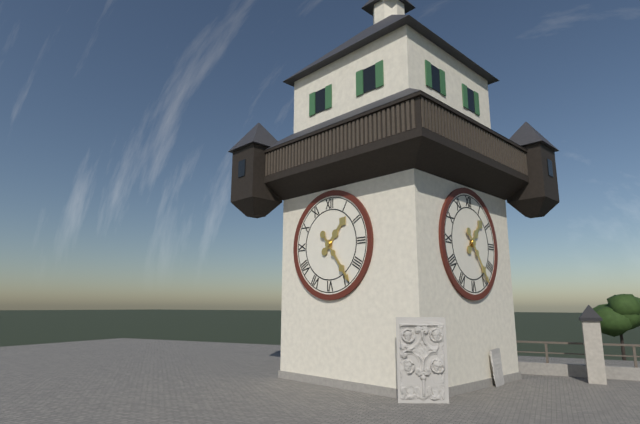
1:24
